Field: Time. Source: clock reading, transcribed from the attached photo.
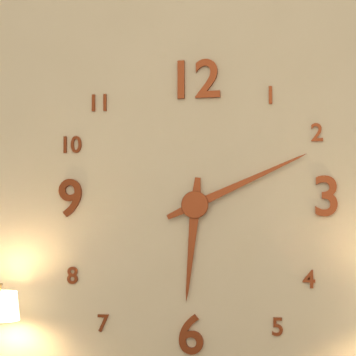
6:11
